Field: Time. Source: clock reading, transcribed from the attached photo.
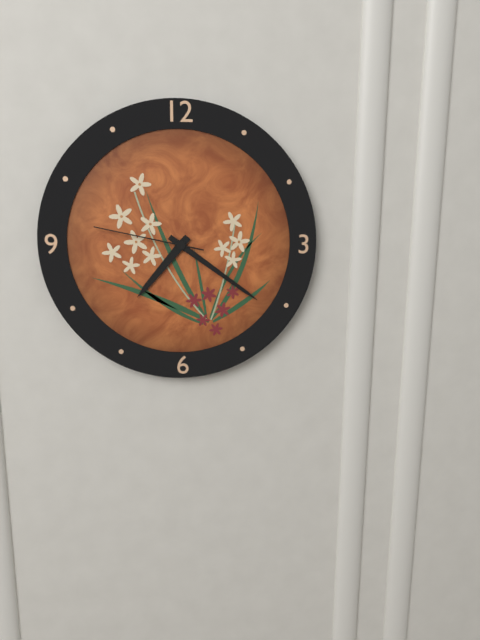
7:21:47
